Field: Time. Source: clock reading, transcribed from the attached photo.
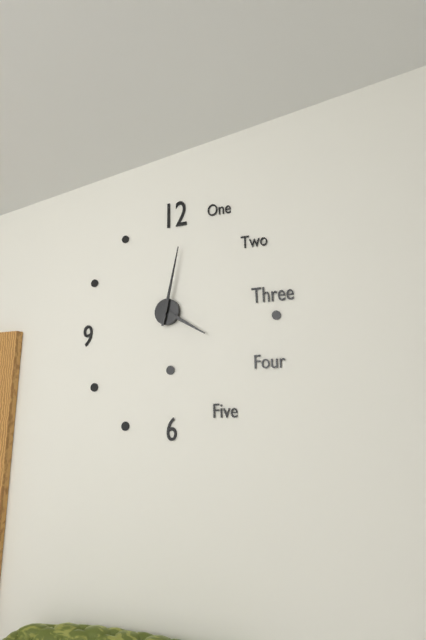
4:02
